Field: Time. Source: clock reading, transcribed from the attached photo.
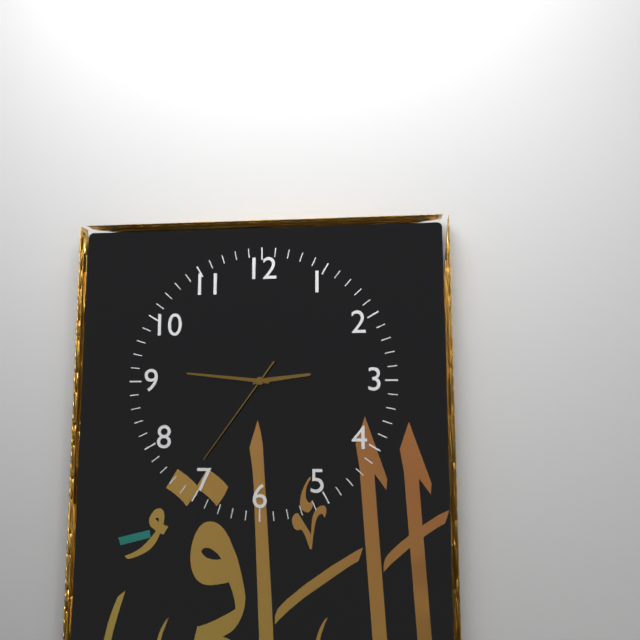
2:46:36
